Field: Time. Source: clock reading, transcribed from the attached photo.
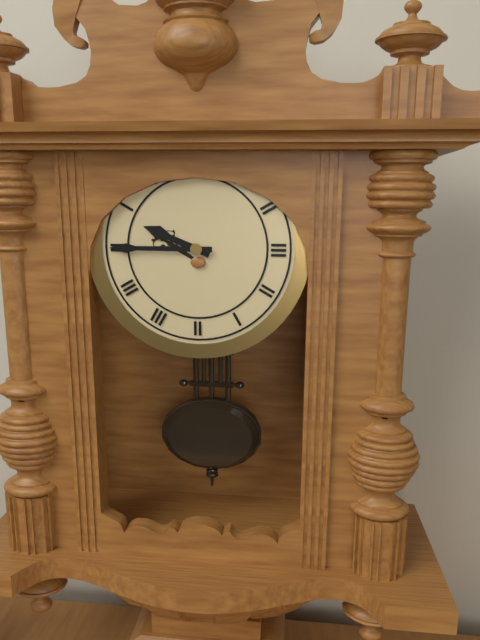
9:45
